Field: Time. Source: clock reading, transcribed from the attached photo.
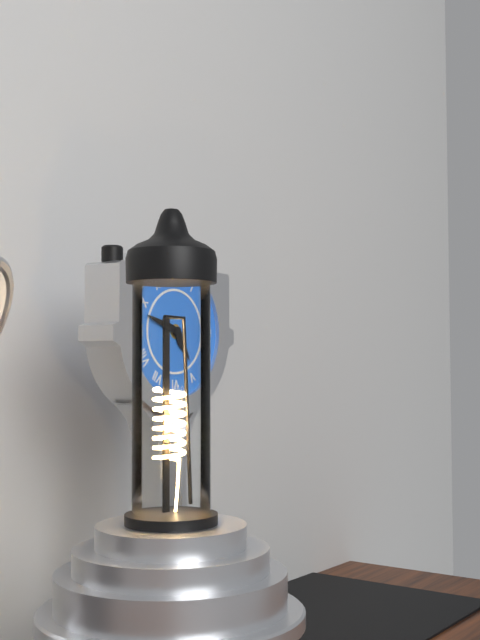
4:48
